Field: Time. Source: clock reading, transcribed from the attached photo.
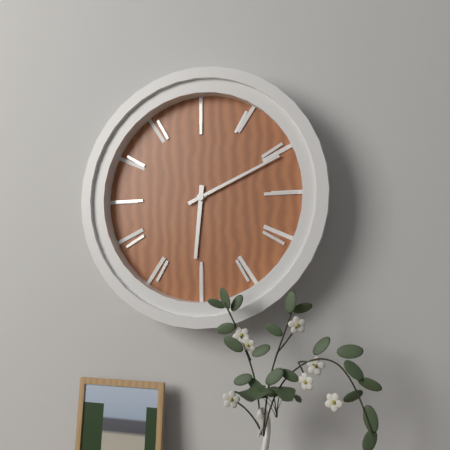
6:11
